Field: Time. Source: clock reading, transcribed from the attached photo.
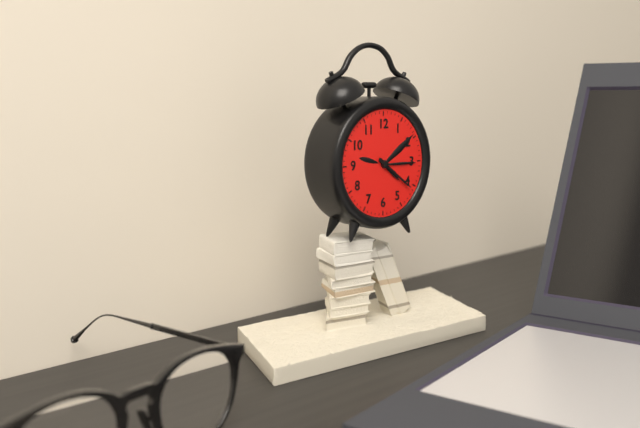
4:21
